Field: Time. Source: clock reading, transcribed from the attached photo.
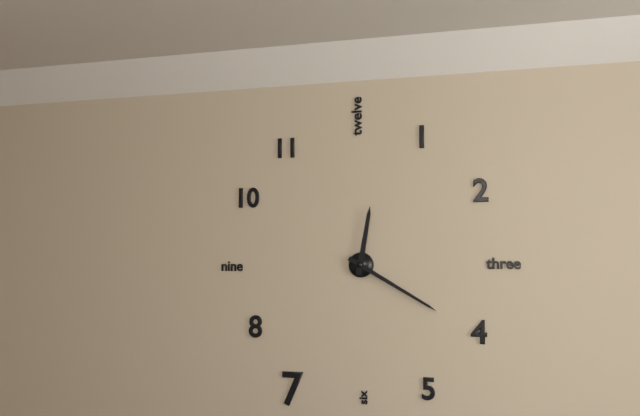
12:20
